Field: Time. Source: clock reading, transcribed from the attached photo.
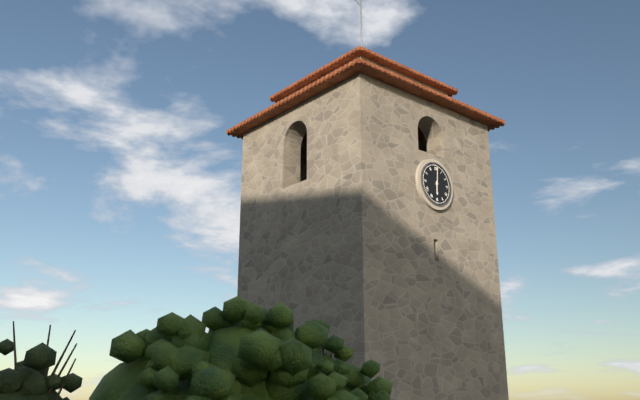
6:01
